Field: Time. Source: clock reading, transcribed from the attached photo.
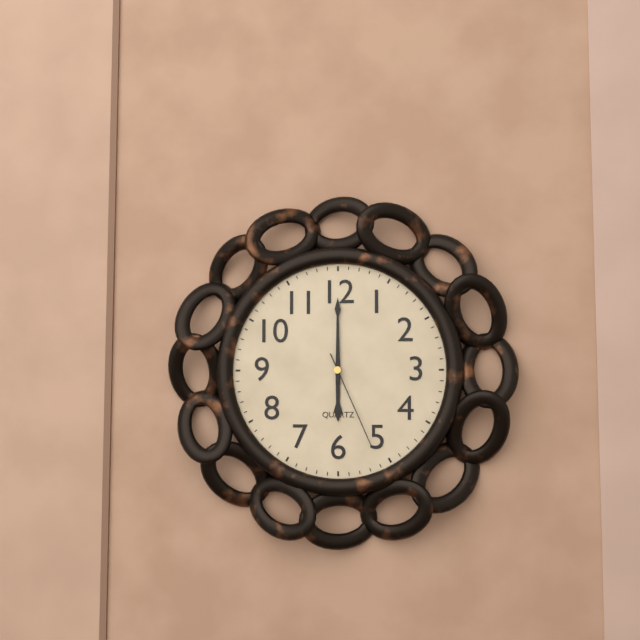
6:00:26
